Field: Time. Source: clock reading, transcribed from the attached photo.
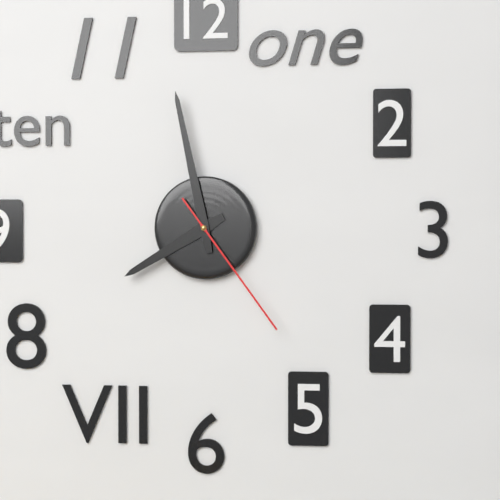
7:58:24
